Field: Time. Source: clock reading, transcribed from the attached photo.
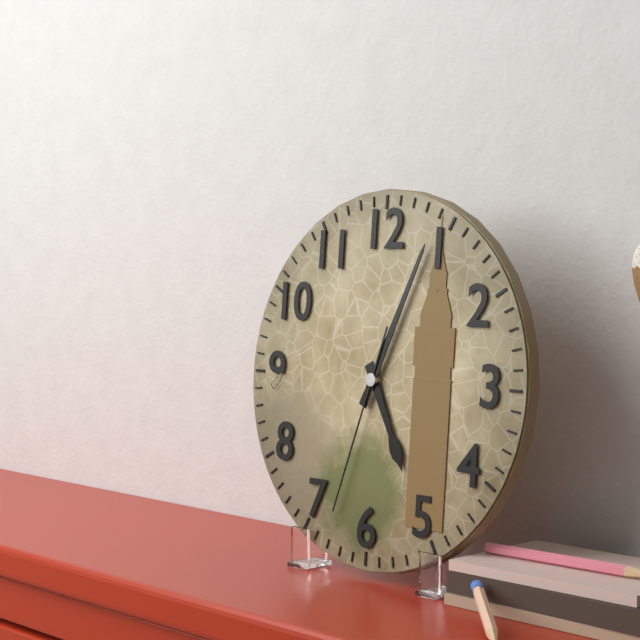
5:04:33
